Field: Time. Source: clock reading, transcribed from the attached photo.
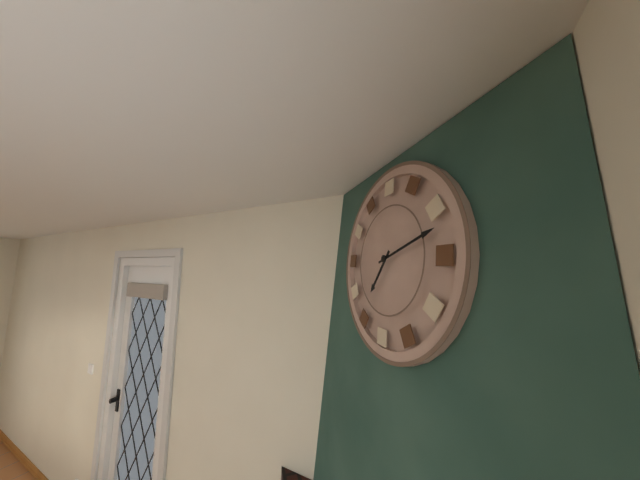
7:12
